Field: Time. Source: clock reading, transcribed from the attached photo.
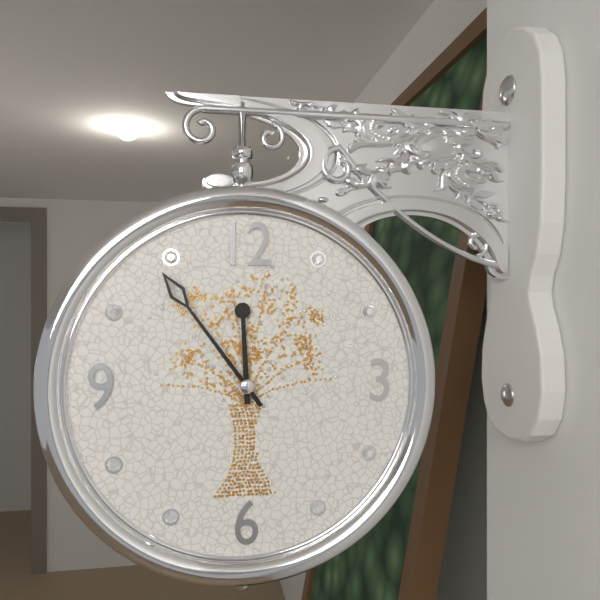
11:54
